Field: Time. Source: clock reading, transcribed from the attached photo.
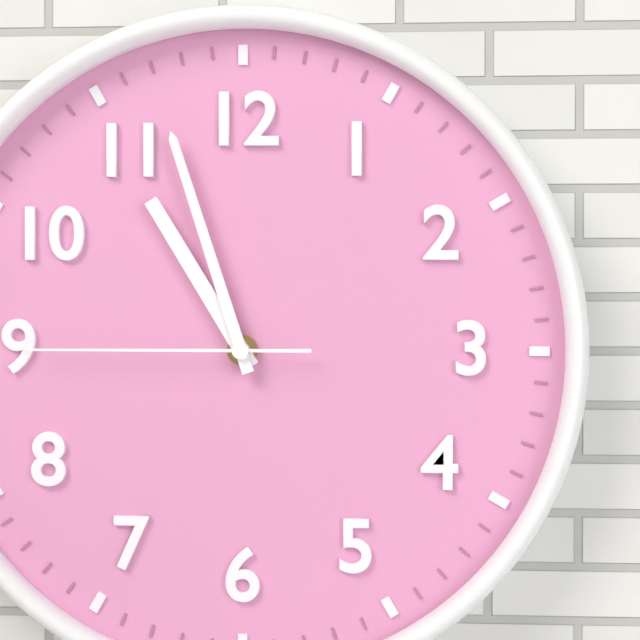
10:57:45
